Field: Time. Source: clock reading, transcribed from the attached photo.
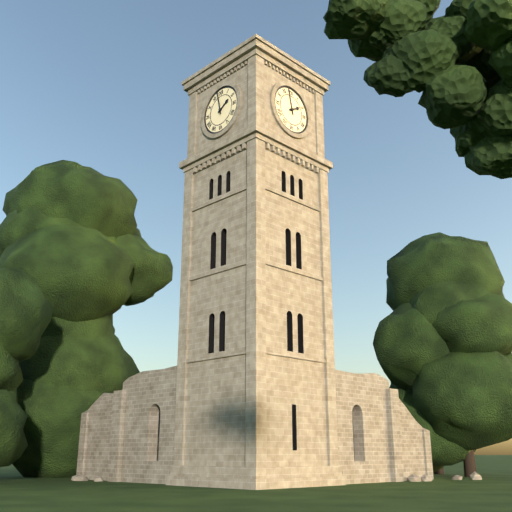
1:58
